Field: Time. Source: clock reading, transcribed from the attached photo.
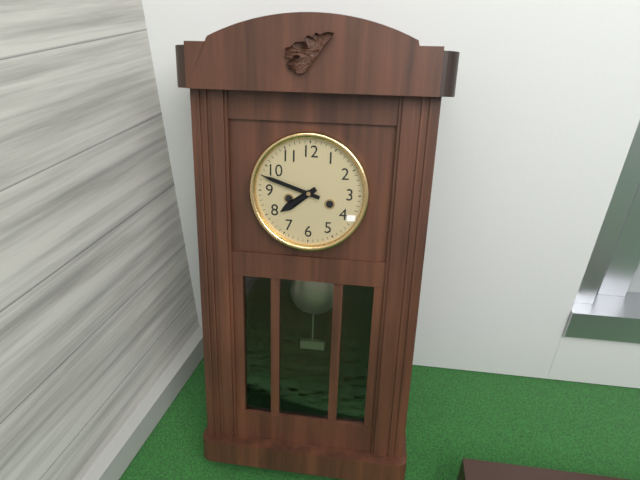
7:48
